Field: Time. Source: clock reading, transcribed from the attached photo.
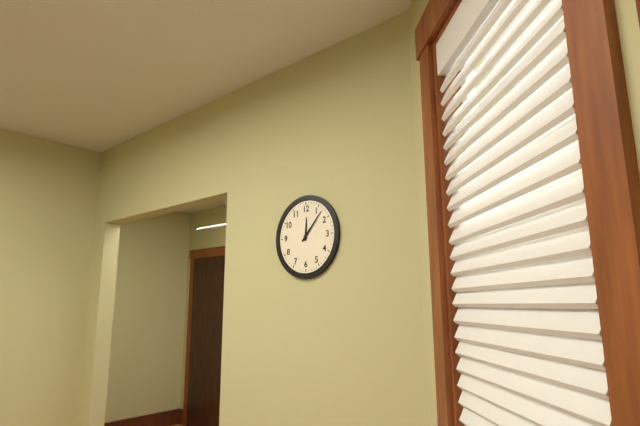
12:07
